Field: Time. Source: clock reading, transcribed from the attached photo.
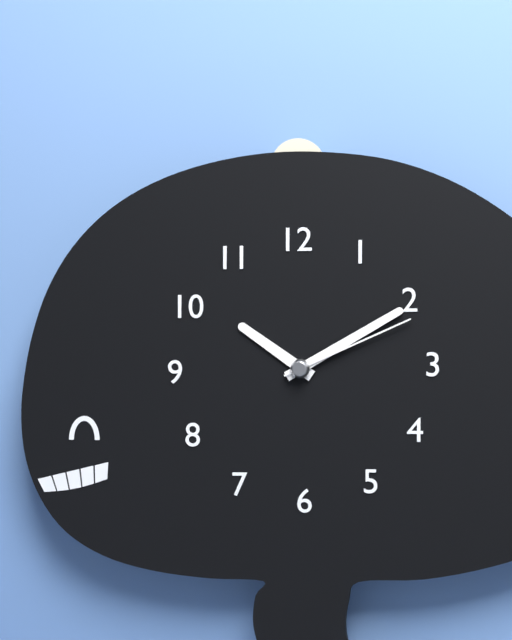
10:10:11
